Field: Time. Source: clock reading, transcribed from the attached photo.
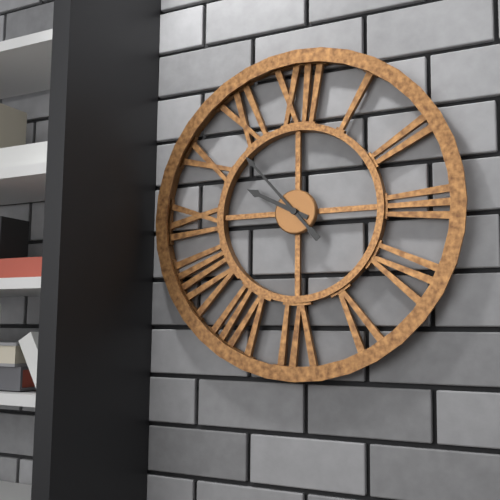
9:53
